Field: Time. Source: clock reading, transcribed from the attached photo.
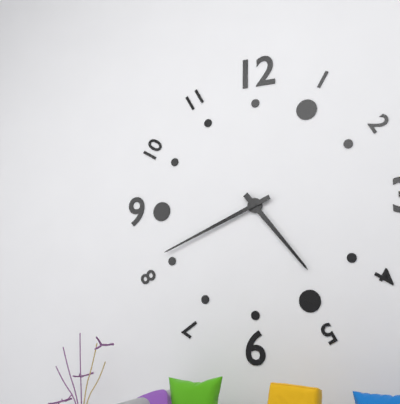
4:41
